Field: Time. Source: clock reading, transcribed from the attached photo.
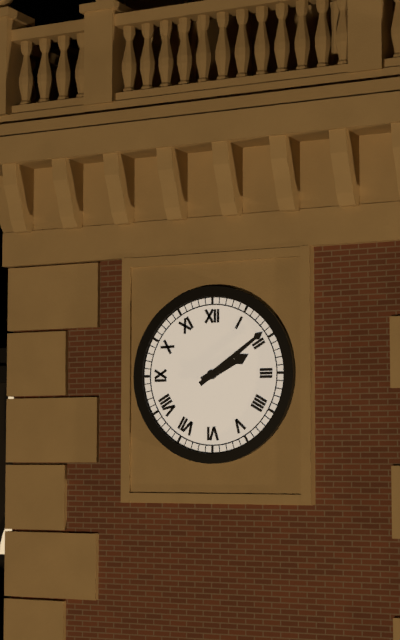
2:09
